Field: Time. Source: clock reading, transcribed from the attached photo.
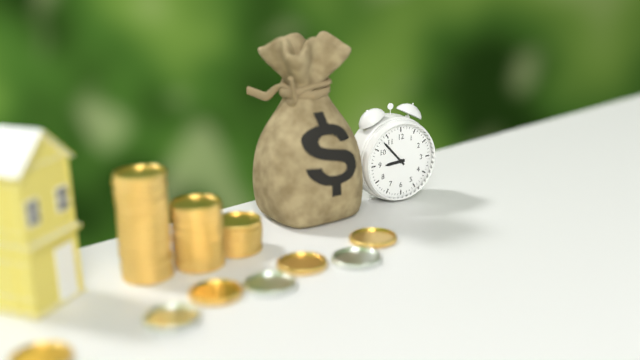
8:53
